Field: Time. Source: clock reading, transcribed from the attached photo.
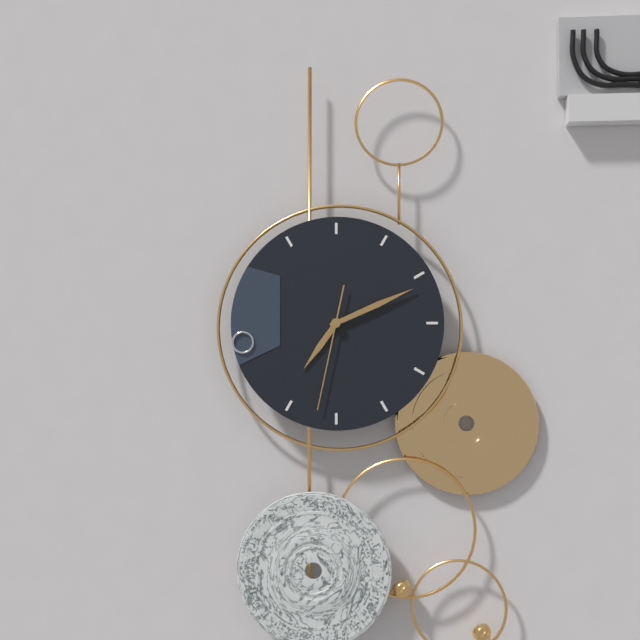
7:11:32
